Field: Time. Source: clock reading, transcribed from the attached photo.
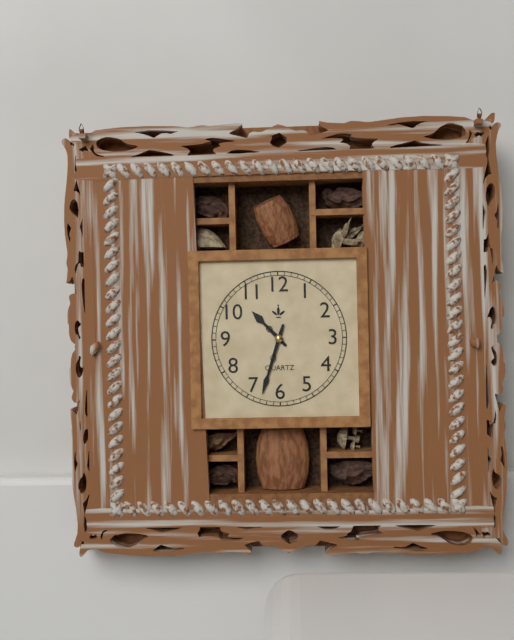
10:33
